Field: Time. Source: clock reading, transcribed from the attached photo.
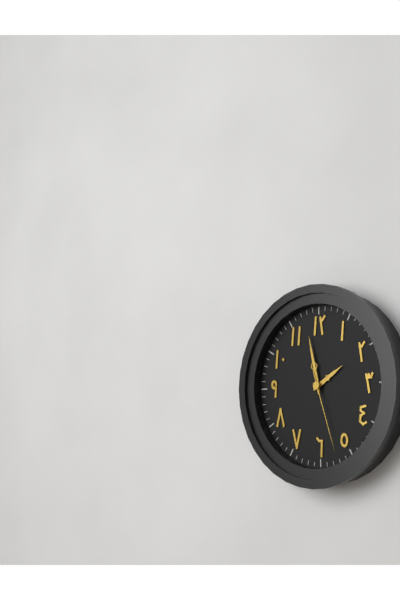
1:58:27
